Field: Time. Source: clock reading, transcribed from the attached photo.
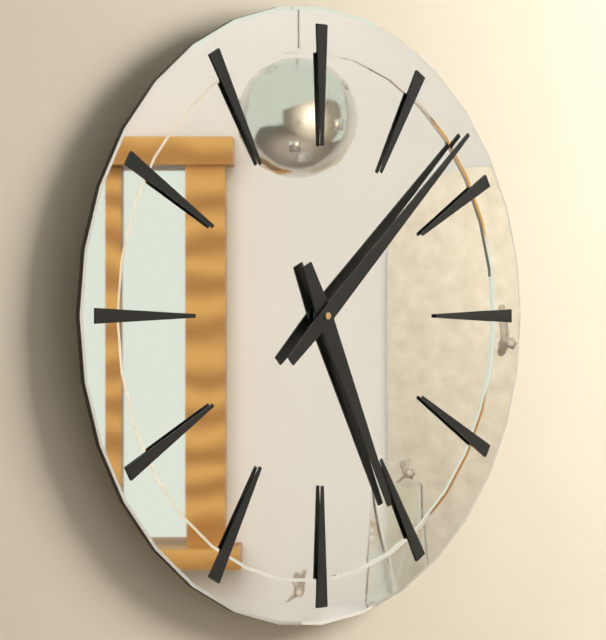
5:08
